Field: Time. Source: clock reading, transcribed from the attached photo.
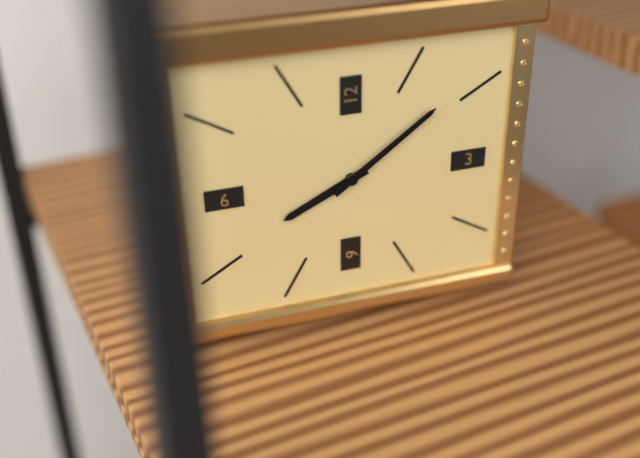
8:09
